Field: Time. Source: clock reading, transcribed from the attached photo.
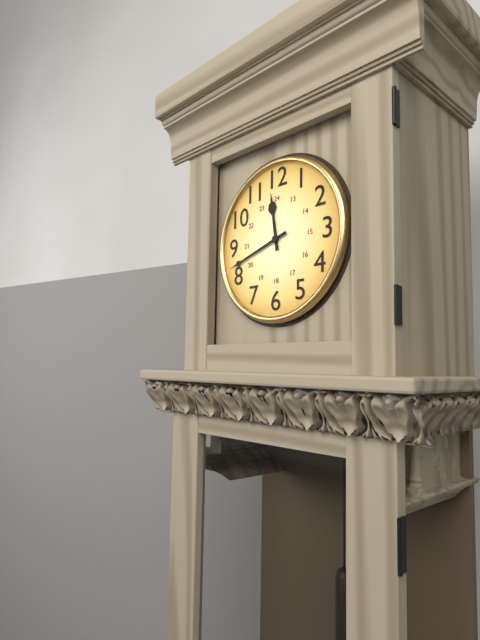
11:42
